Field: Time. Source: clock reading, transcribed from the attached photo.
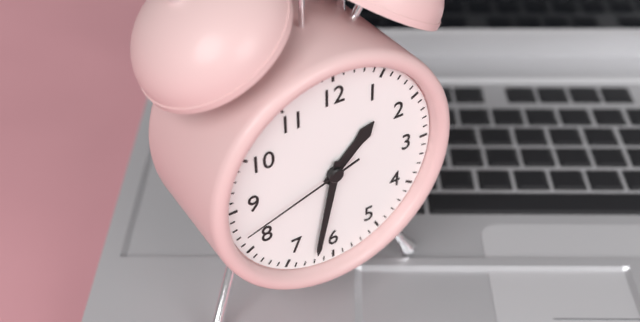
1:32:42
